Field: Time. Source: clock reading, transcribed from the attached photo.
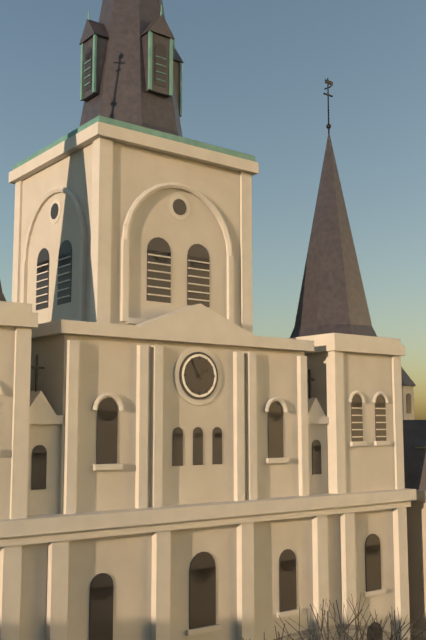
1:55
